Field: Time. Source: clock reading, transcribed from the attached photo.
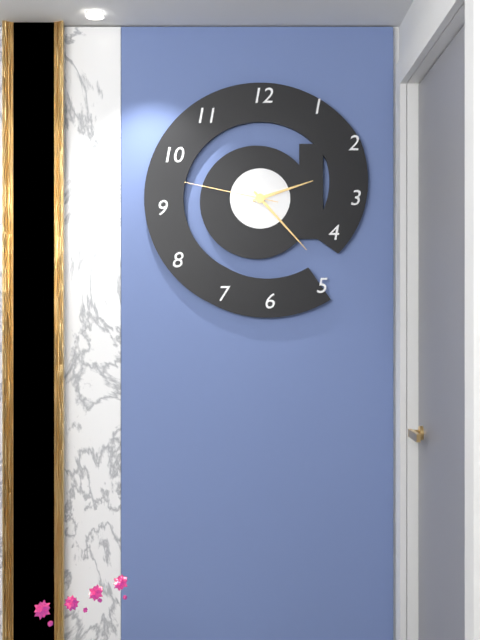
2:23:47
